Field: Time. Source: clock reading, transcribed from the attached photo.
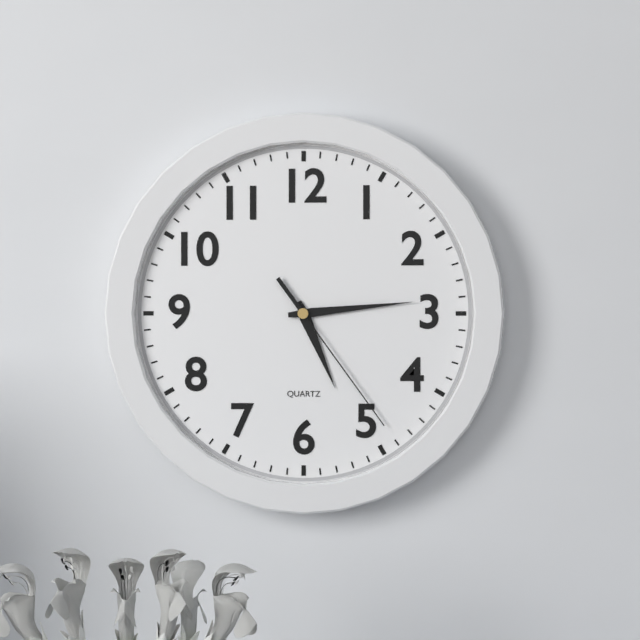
5:14:24
